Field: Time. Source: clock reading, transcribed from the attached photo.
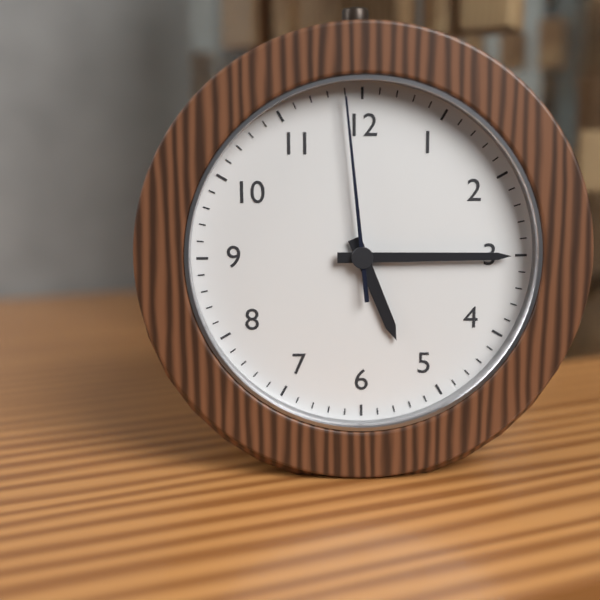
5:15:59
